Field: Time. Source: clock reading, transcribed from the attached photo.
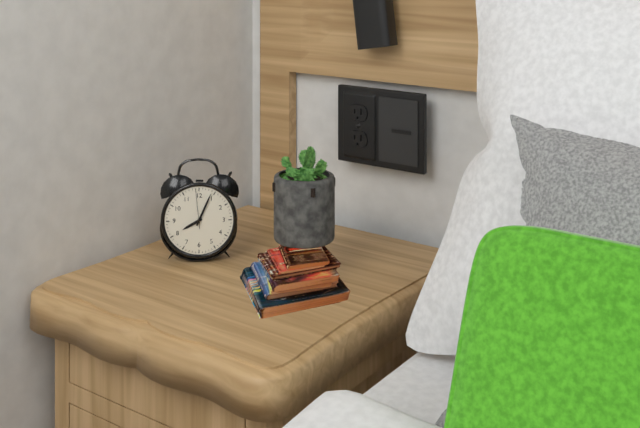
8:04
